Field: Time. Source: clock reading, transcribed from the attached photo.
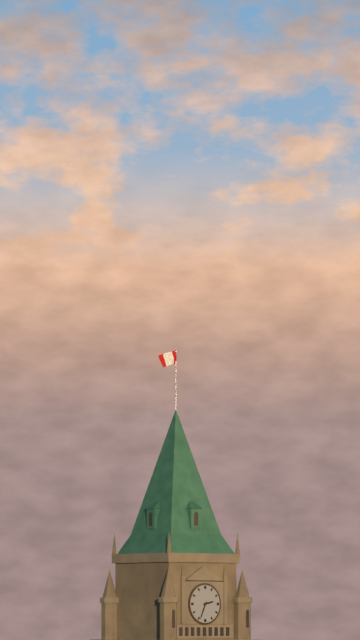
2:34
